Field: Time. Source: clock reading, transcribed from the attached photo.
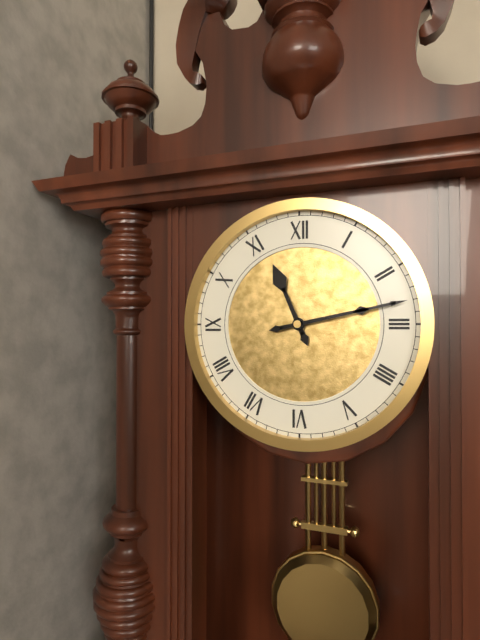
11:13
